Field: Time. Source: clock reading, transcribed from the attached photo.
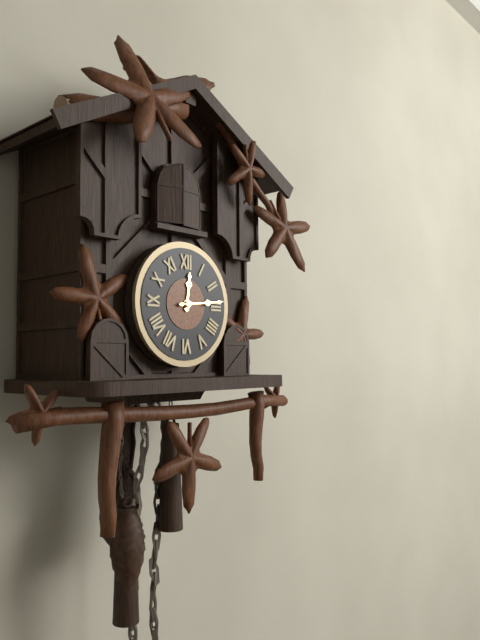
12:14
